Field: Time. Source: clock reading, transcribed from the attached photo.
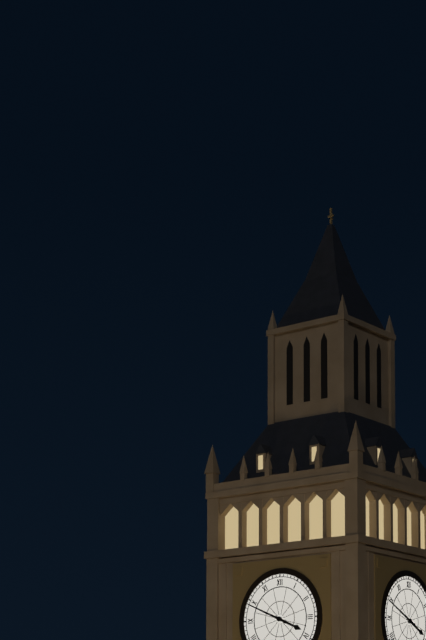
3:49
